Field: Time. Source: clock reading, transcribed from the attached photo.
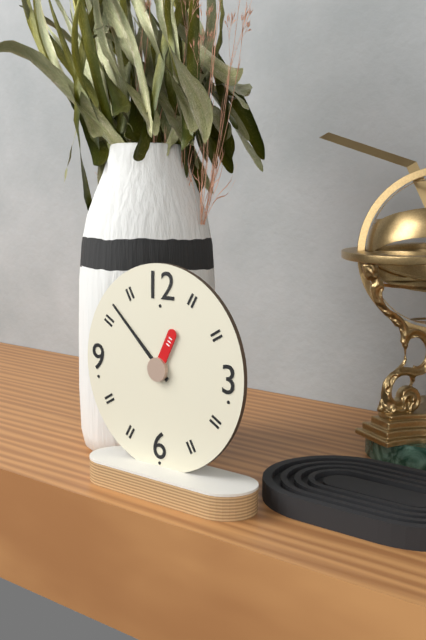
12:52
